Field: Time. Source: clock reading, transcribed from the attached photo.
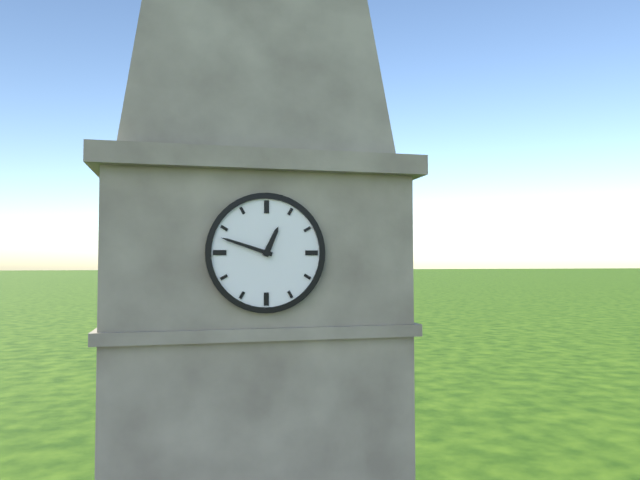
12:48
